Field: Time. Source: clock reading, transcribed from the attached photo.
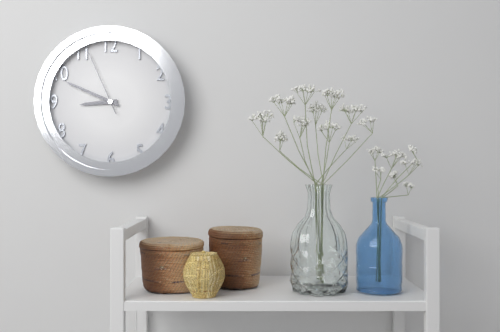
8:49:56
